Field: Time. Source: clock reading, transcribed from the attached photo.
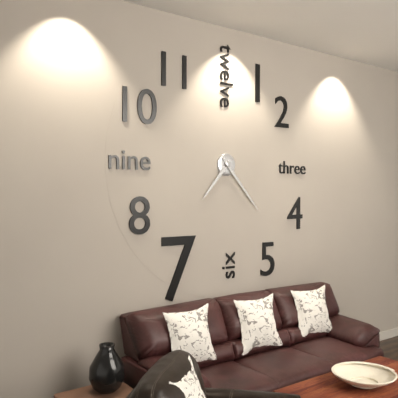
7:23
